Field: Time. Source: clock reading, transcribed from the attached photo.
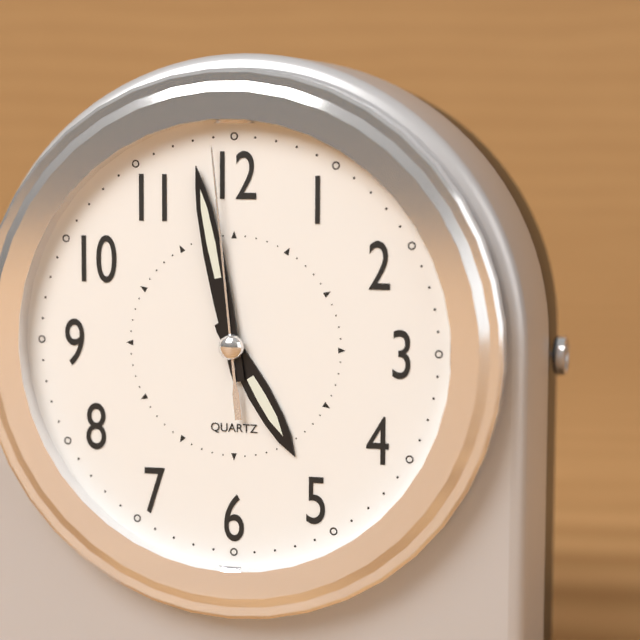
4:58:59
